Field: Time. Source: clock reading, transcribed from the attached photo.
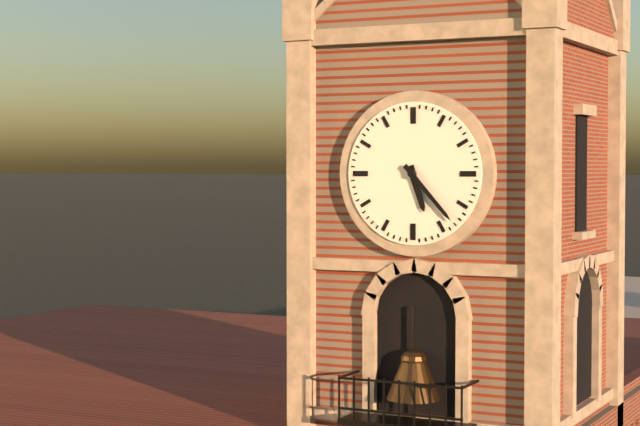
5:23
